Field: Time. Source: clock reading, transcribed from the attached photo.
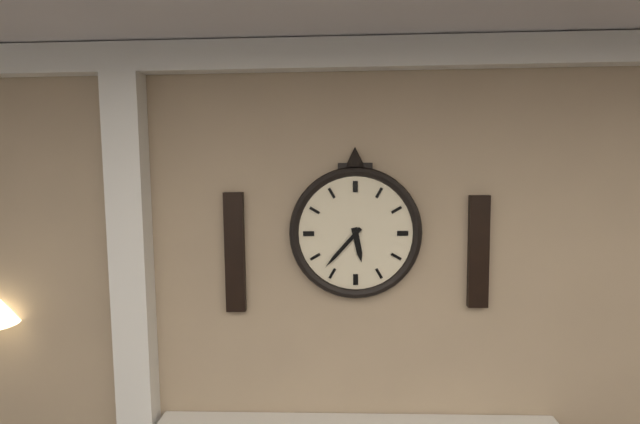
5:37
